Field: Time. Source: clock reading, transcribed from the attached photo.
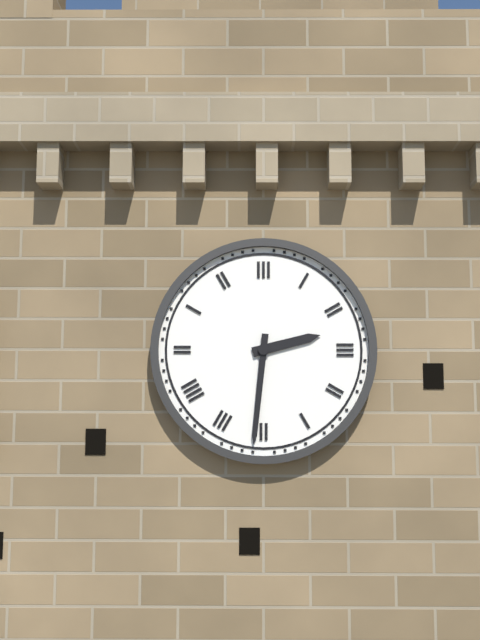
2:31
